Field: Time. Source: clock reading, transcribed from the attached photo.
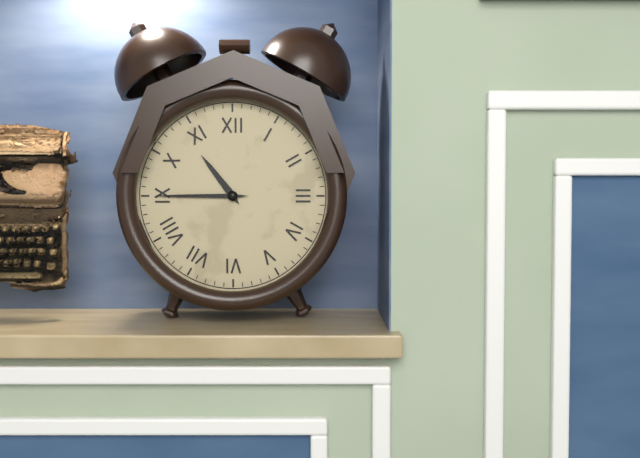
10:45
